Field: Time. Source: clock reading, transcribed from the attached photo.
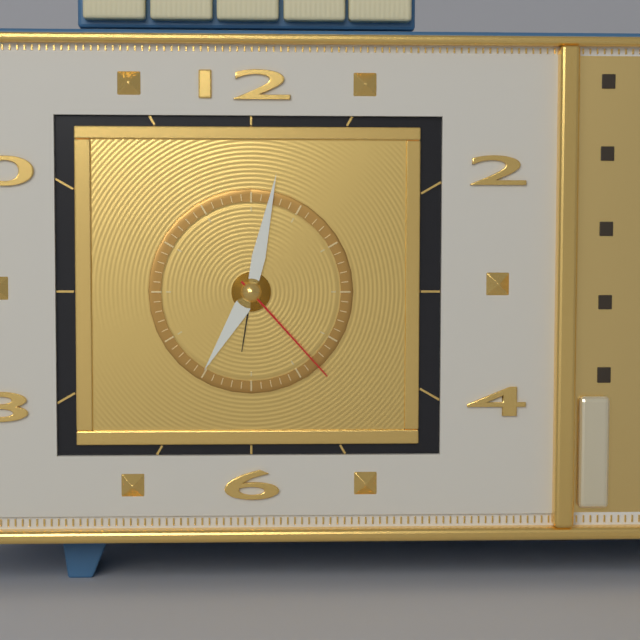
7:02:23
